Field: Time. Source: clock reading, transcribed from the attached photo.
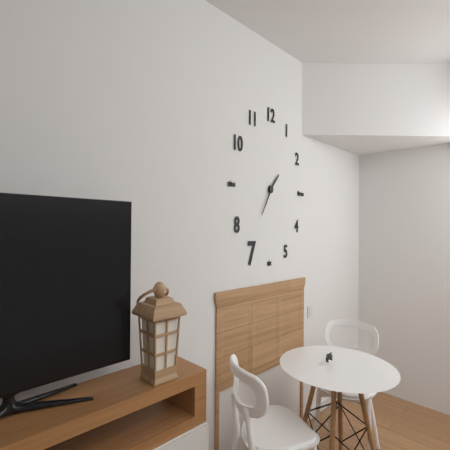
1:36
